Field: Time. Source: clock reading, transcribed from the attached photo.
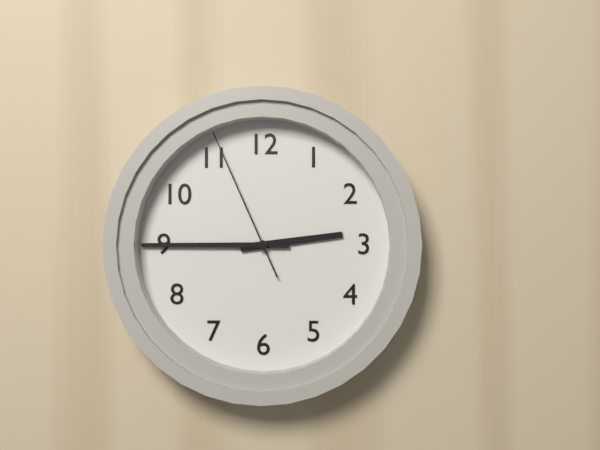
2:45:56
